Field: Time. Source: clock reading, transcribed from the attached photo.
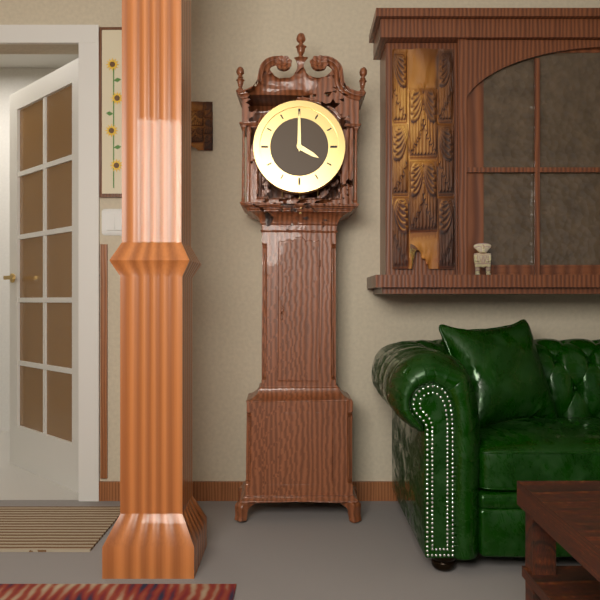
4:00
